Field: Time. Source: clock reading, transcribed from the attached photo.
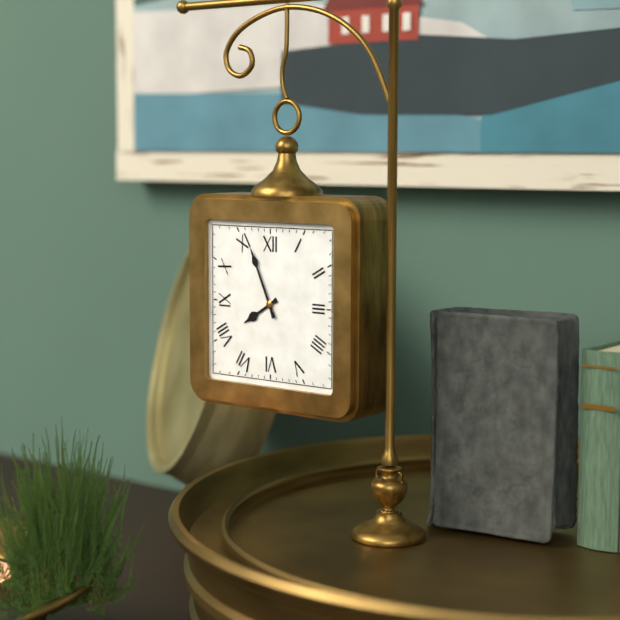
7:56
